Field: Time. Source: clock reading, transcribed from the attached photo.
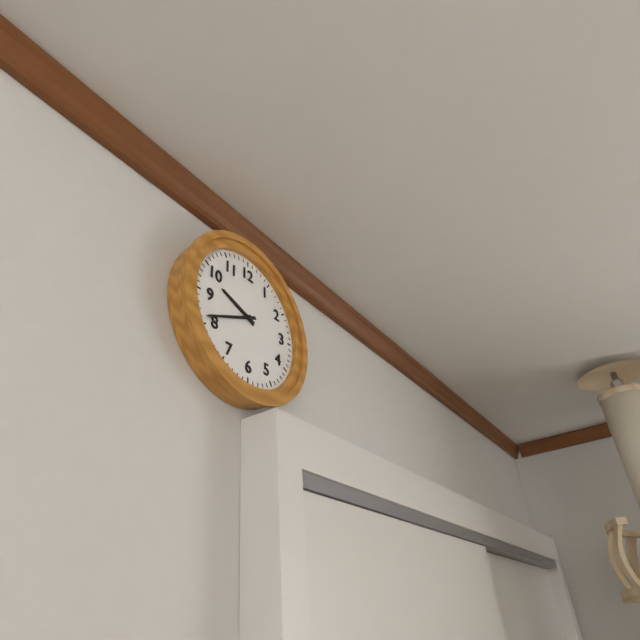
9:41
